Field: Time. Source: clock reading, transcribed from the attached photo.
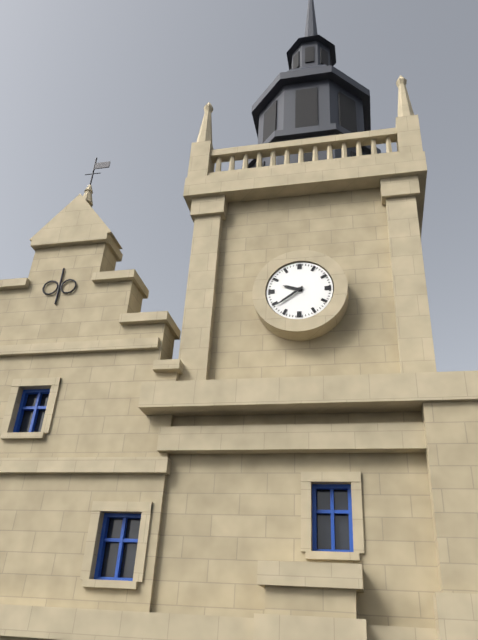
9:39
